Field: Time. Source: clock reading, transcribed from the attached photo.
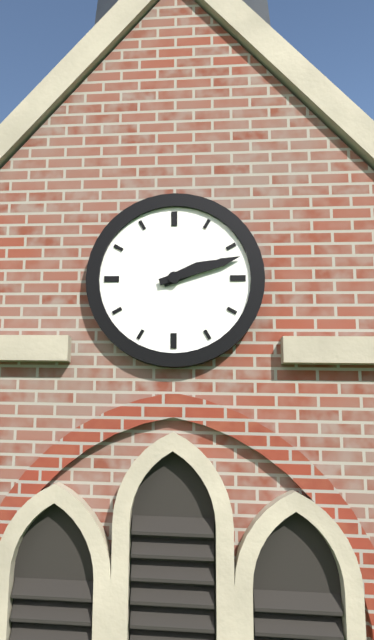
2:12
